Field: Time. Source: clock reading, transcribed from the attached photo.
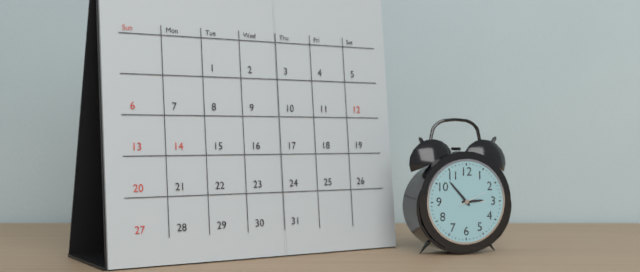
2:53
